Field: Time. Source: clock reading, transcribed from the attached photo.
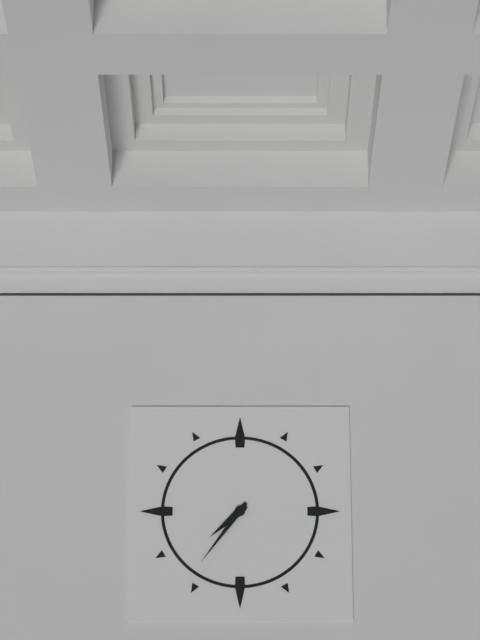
7:36
